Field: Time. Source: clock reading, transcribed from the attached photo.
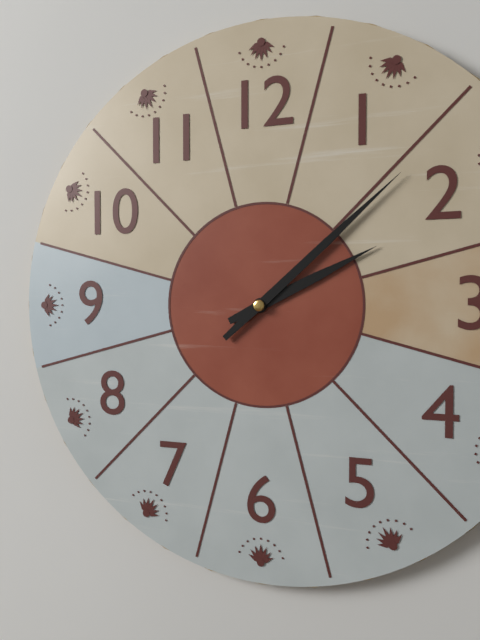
2:08
